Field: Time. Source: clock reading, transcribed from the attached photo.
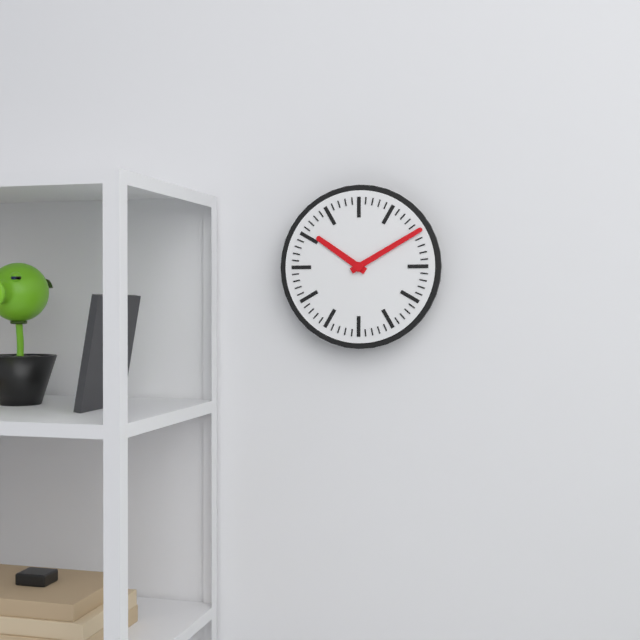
10:10
